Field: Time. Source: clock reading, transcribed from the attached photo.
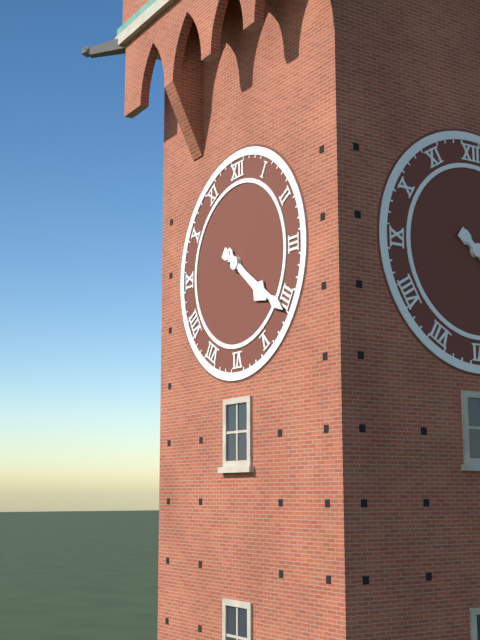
4:21
